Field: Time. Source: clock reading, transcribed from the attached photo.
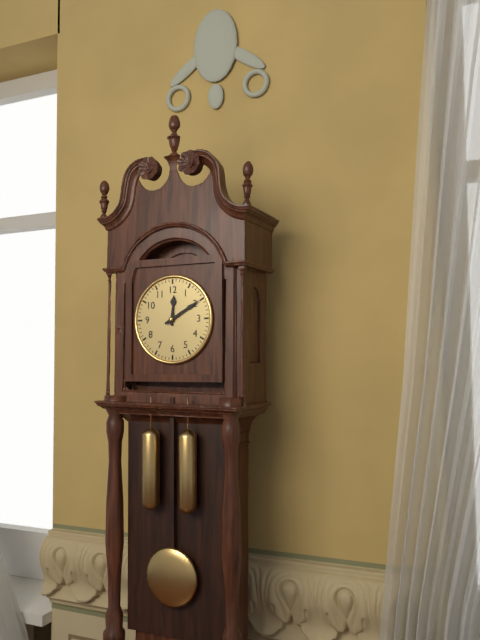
12:10
